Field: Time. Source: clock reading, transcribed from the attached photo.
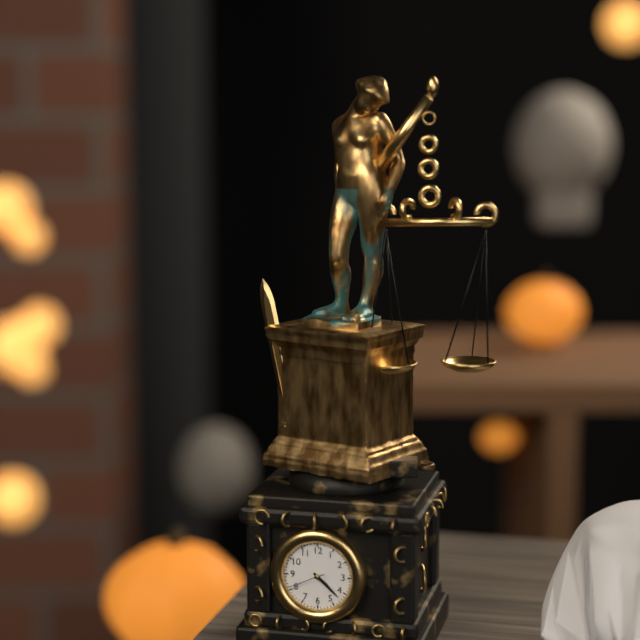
4:22
